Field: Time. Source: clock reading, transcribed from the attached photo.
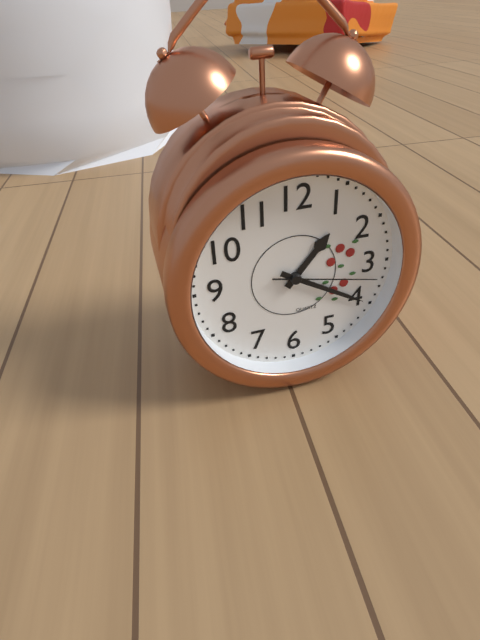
1:20:17
